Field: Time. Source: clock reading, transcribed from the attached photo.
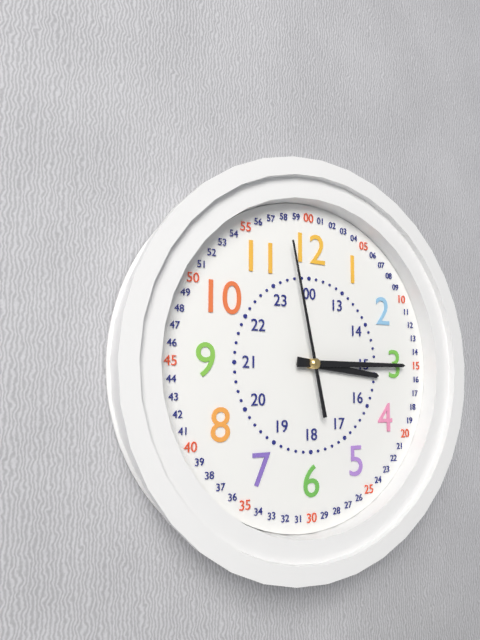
3:15:58
